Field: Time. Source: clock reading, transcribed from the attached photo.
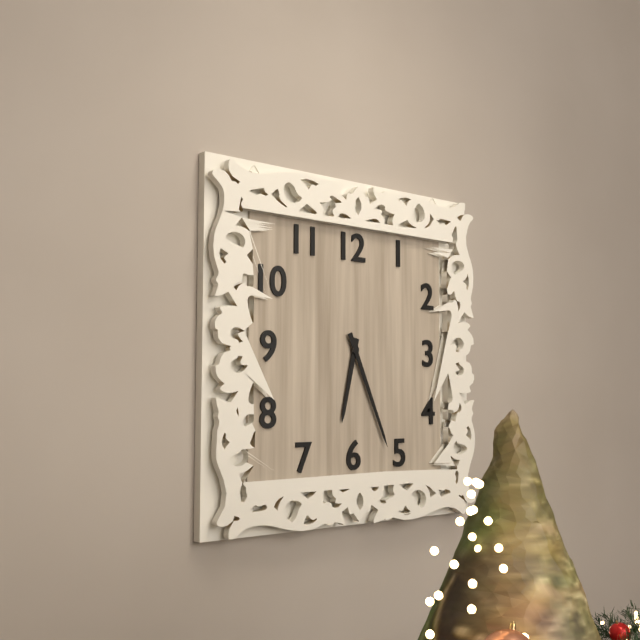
6:26
